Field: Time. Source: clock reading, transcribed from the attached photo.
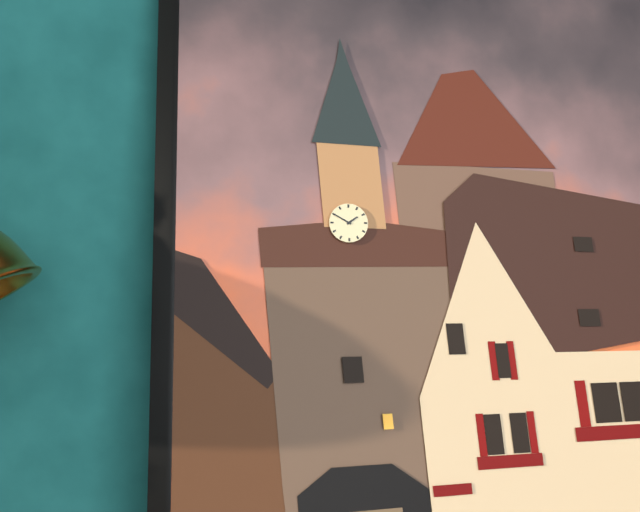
1:50
